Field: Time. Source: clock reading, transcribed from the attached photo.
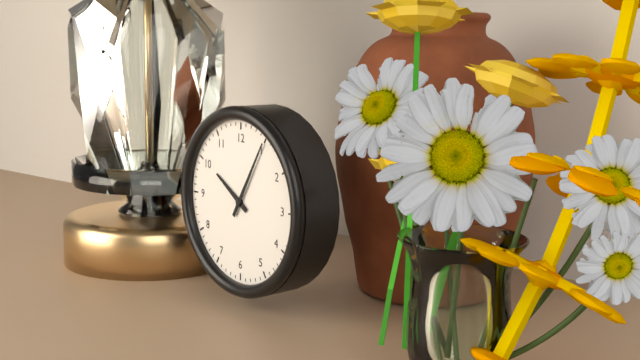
10:05
